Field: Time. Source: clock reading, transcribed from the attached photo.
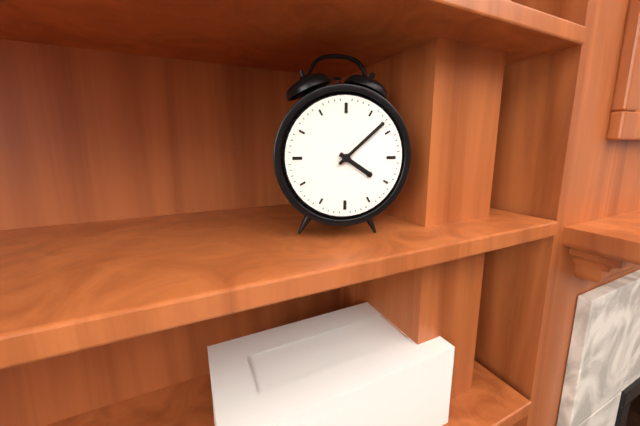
4:08
